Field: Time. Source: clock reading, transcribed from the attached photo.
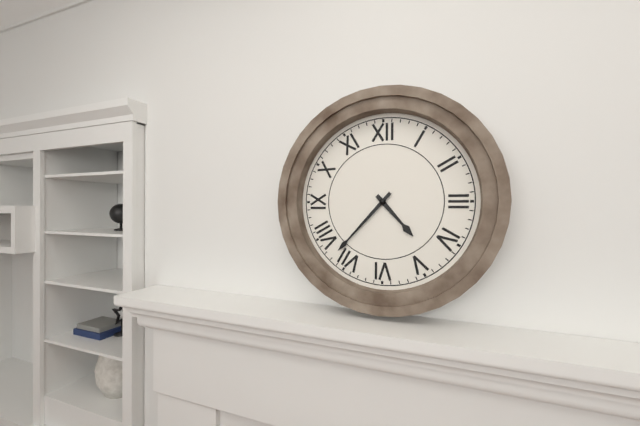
4:37
